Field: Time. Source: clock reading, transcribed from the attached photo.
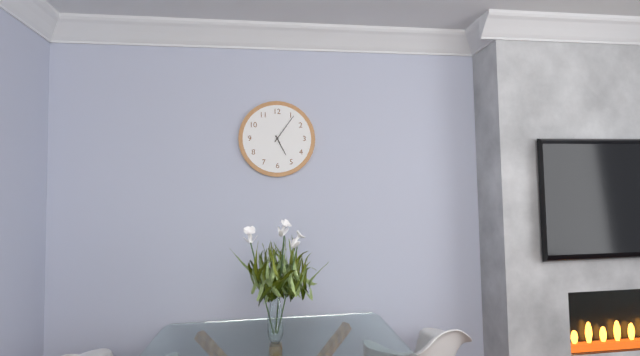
5:06
